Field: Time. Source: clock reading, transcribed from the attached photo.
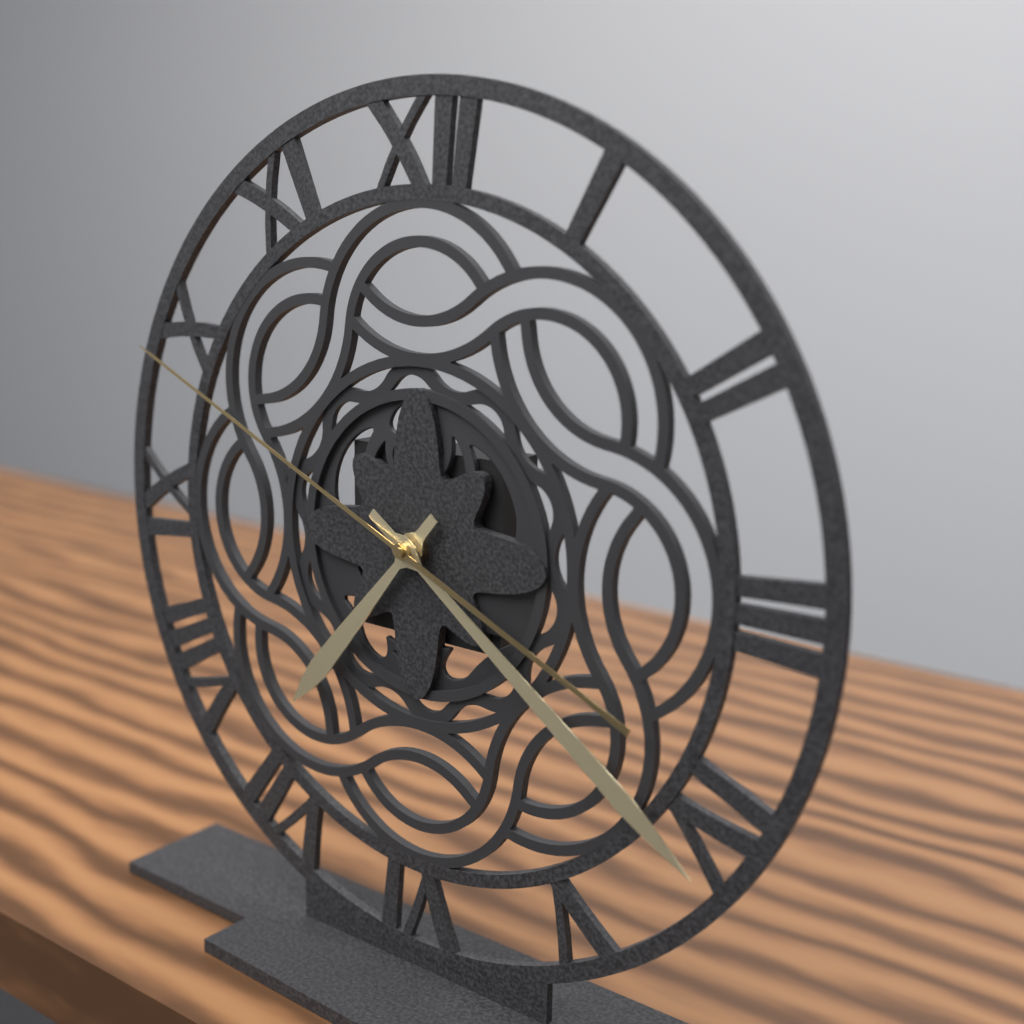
7:21:49
